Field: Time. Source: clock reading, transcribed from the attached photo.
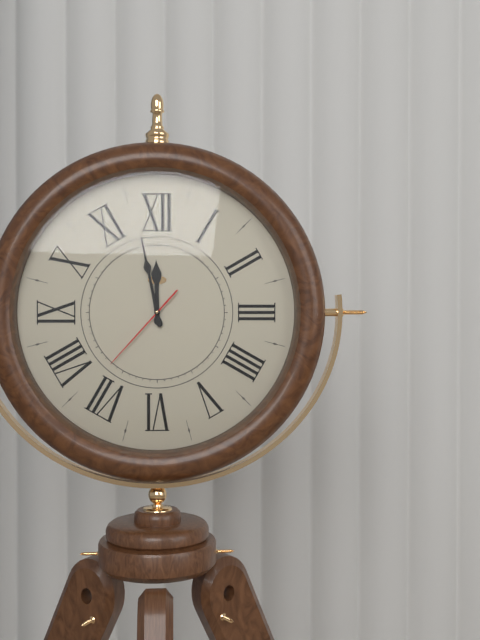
11:58:37
